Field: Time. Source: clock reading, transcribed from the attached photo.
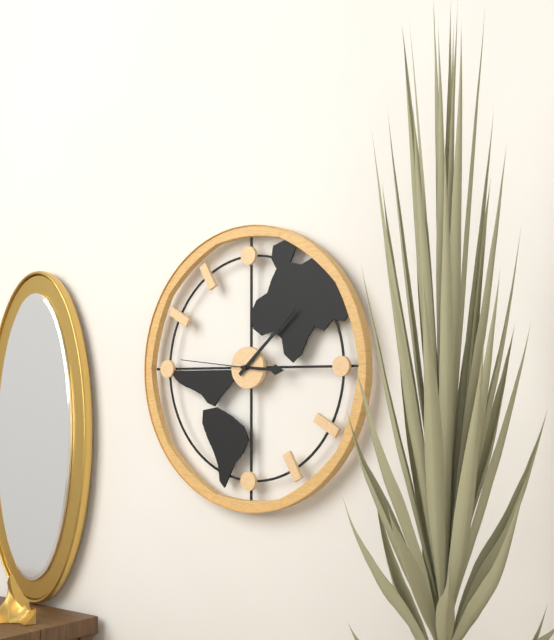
3:08:46
